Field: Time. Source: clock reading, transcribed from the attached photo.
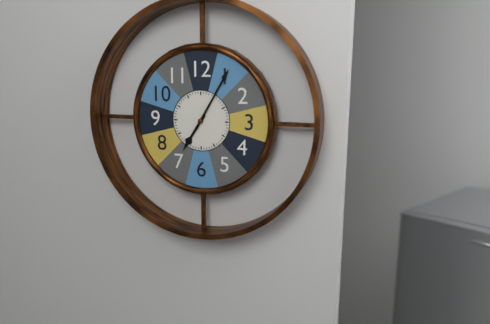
7:05
